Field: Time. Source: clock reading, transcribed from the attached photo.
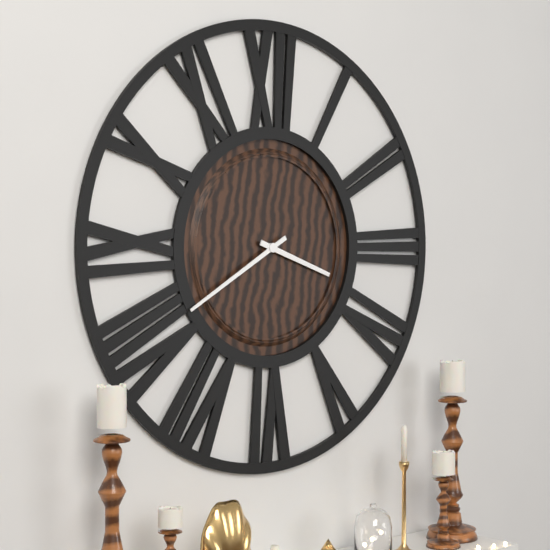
3:40
